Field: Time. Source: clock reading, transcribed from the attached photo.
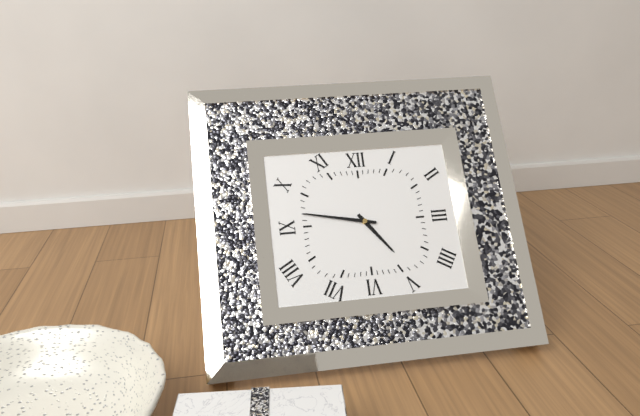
4:47
